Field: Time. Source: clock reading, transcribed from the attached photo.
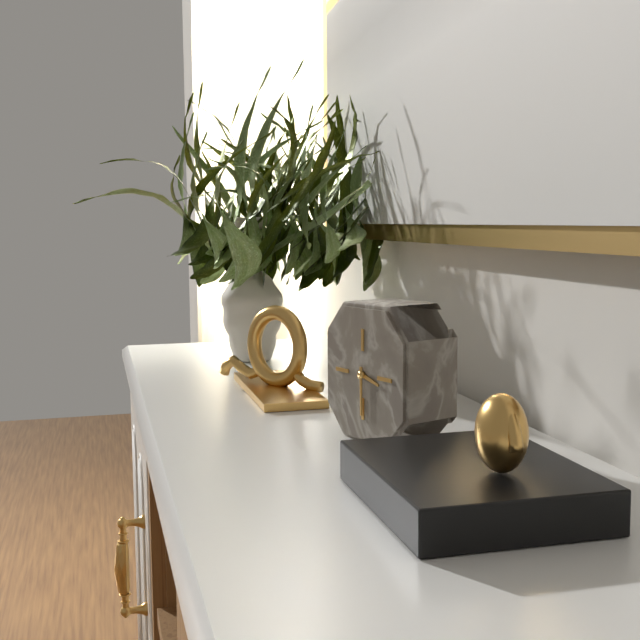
3:30
